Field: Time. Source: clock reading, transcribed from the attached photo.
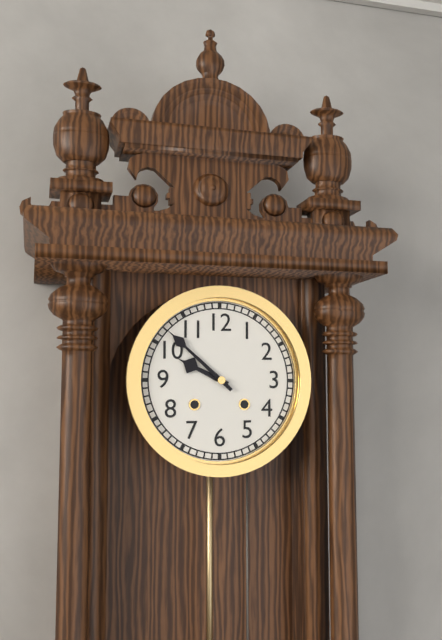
9:52
